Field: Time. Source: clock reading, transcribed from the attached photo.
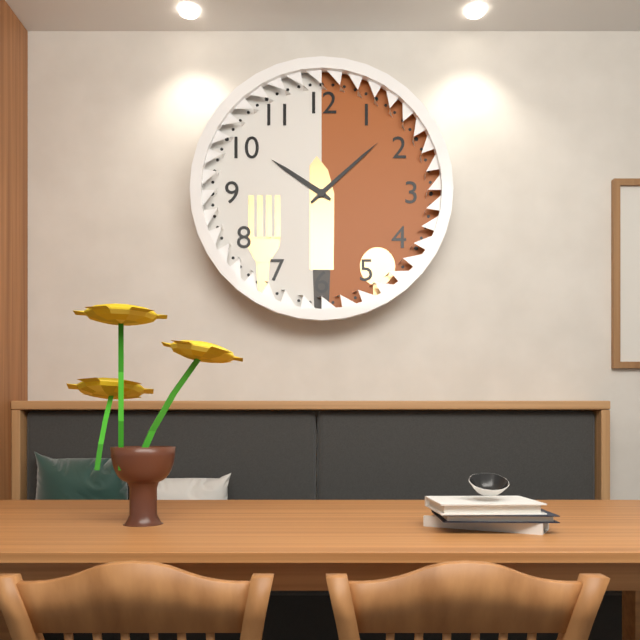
10:08
